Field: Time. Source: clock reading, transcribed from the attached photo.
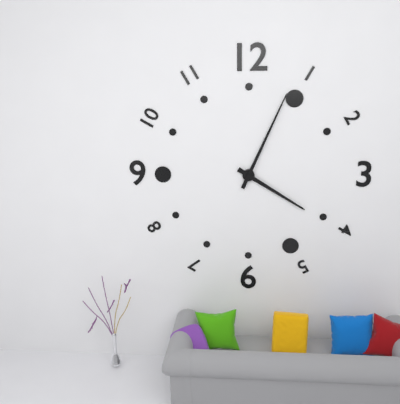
4:04
